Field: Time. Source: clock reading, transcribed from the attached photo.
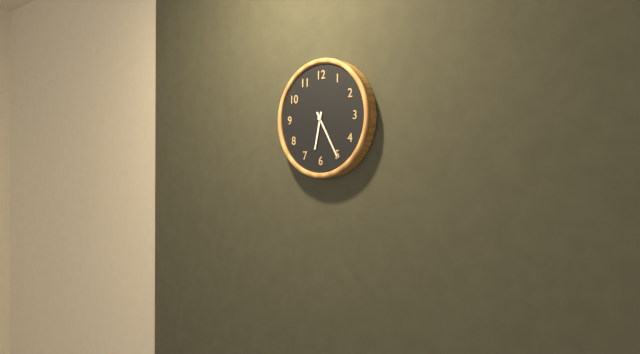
6:25
